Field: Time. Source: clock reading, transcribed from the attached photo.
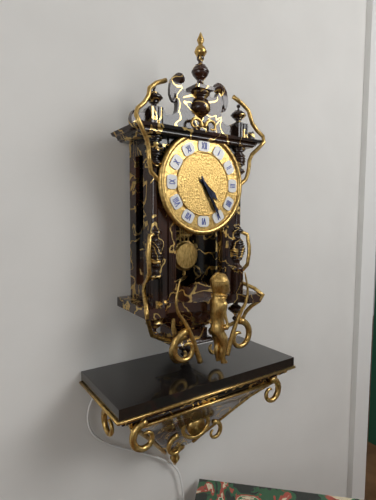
4:25
